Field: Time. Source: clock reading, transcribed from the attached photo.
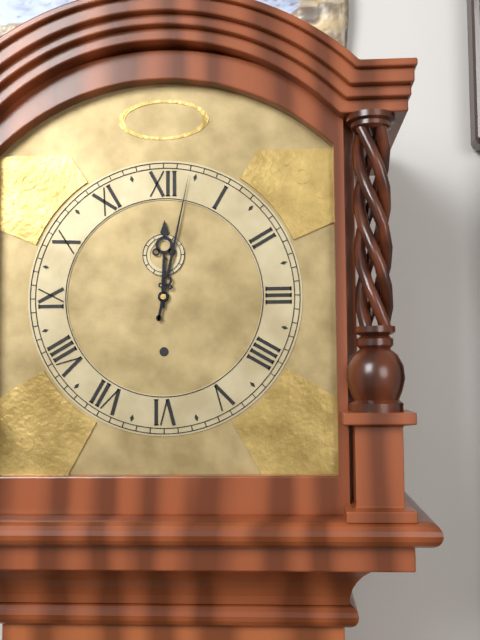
12:02
